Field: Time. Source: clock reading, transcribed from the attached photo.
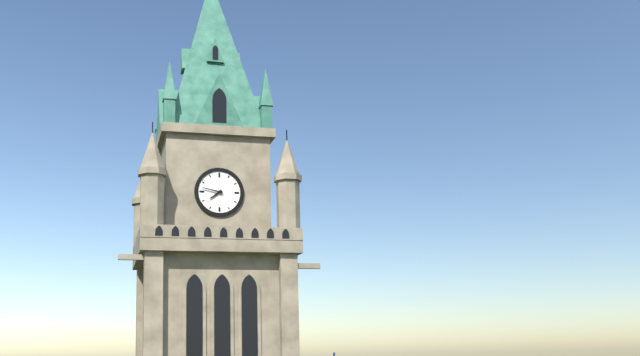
7:47
